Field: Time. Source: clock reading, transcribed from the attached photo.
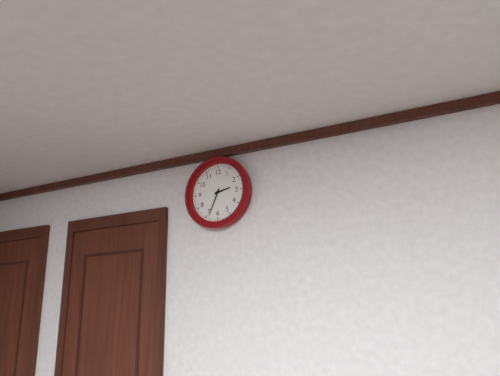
2:34
